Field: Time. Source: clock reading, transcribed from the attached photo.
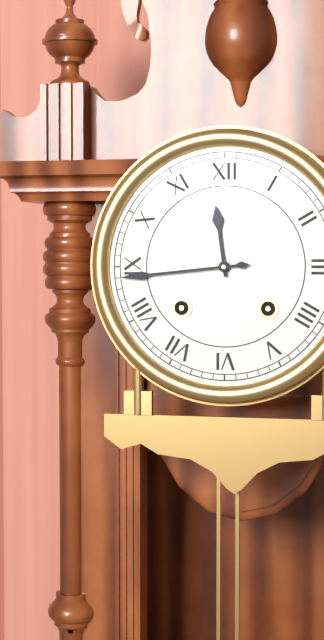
11:44
